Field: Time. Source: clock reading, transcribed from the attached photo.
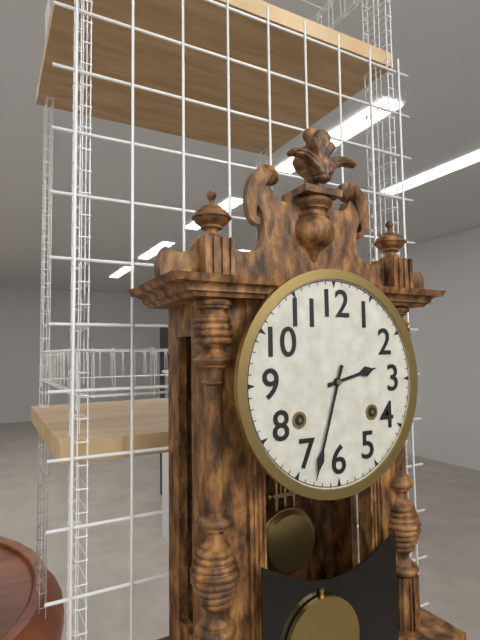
2:33
